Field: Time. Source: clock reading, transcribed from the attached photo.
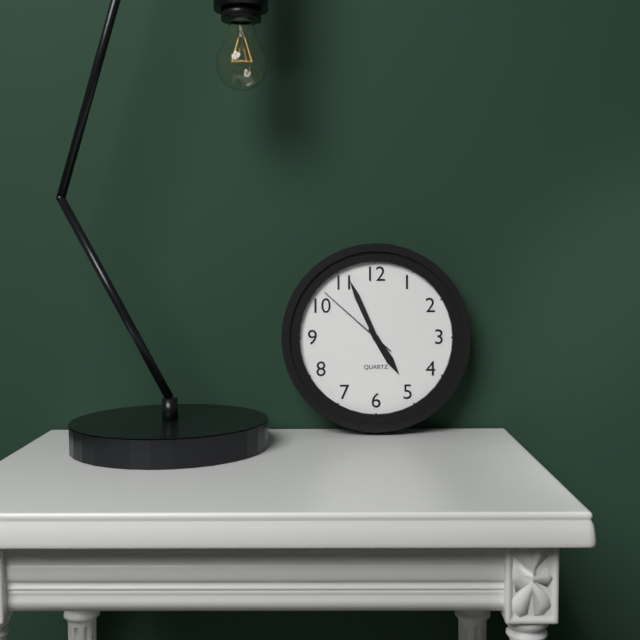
4:56:52
